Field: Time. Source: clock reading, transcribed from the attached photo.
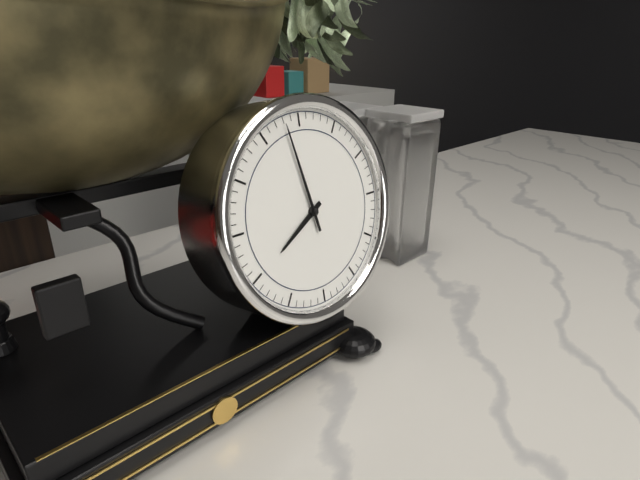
7:58
